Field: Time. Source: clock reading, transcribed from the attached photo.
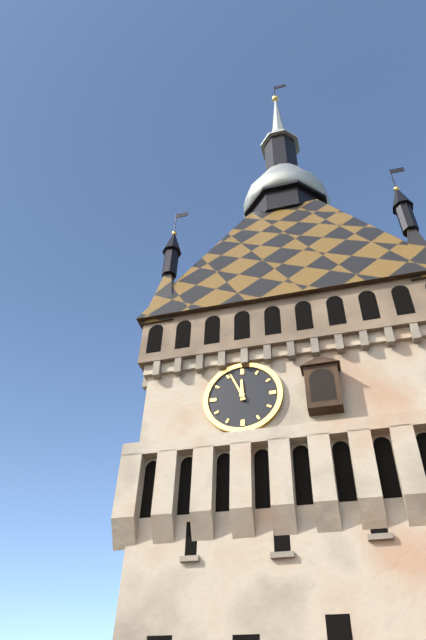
11:56
